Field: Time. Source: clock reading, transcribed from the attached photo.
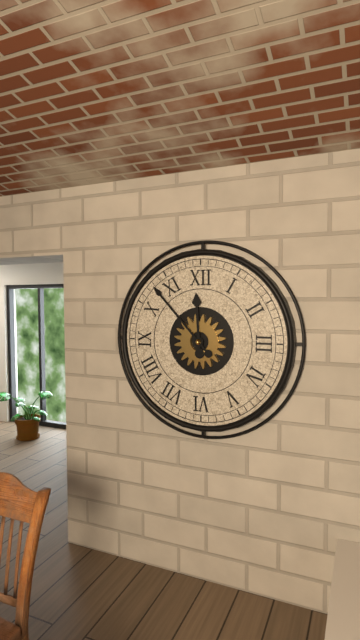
11:53
